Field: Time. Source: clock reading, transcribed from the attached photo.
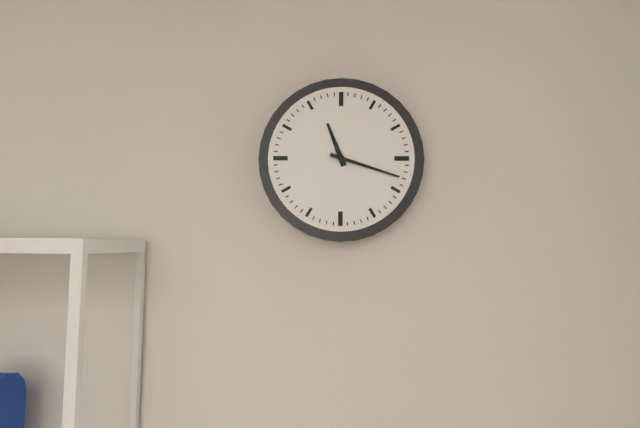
11:18
